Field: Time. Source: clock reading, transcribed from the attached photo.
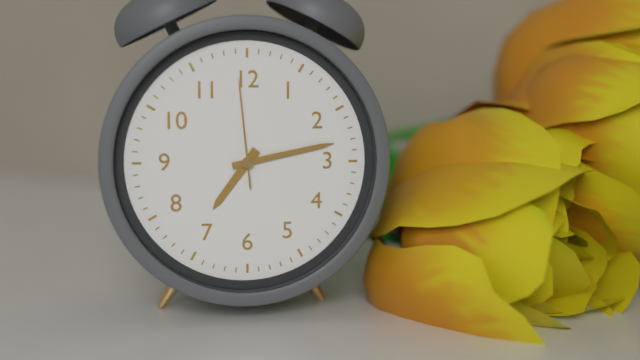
7:13:59
